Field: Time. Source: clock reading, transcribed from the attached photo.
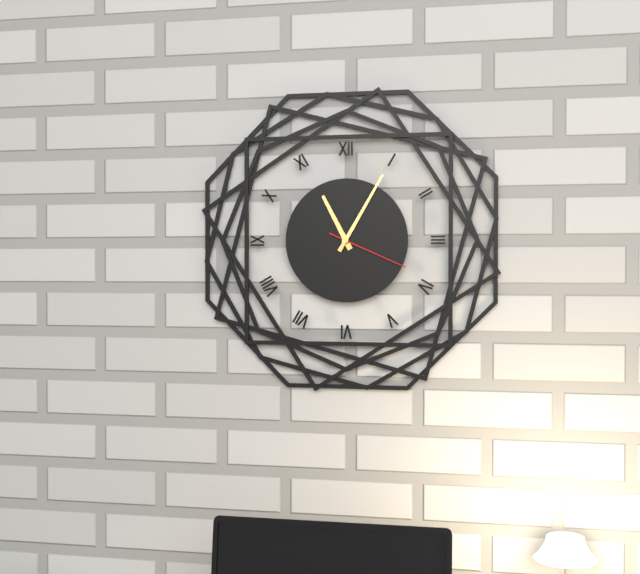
11:05:19
